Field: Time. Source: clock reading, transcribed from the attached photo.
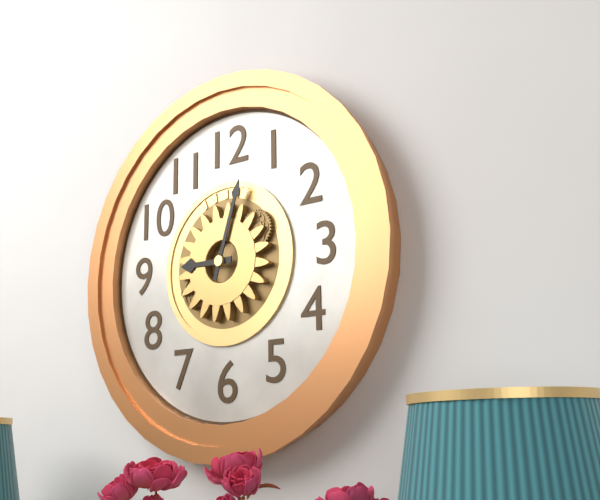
9:03
